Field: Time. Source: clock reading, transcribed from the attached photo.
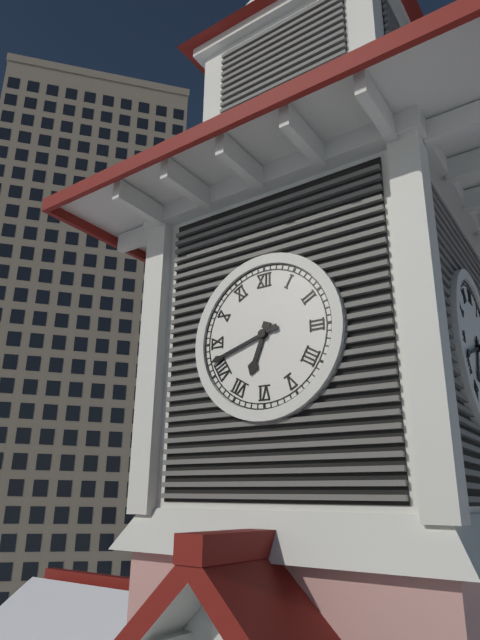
6:42
